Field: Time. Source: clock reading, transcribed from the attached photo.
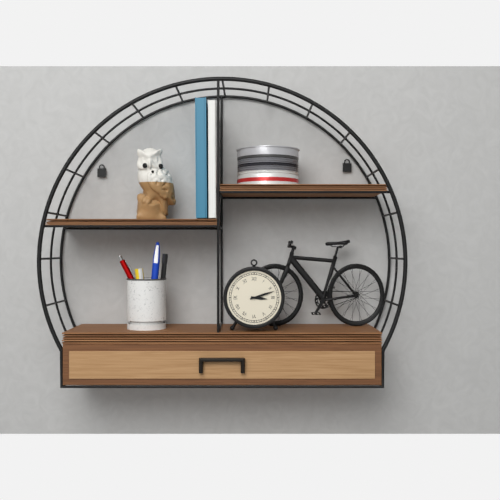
3:12
